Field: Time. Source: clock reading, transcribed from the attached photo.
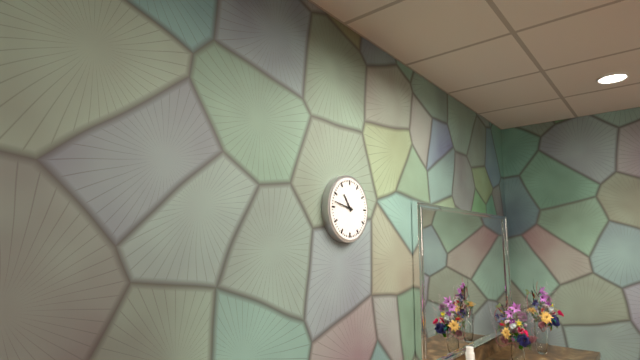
10:47
